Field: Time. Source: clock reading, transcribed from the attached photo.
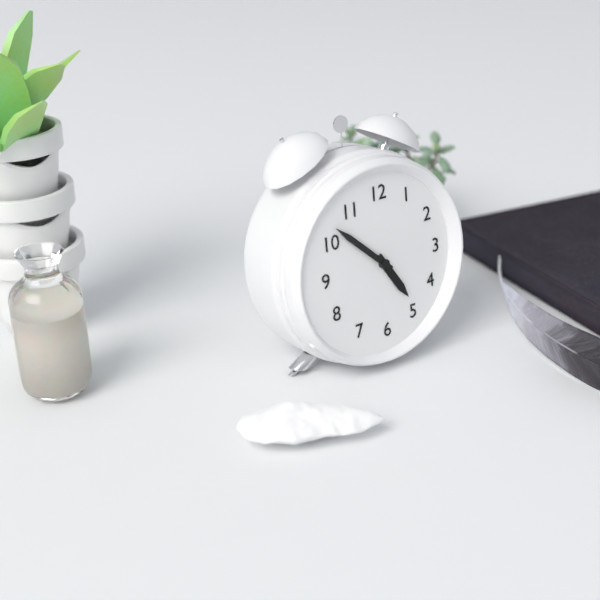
4:52
